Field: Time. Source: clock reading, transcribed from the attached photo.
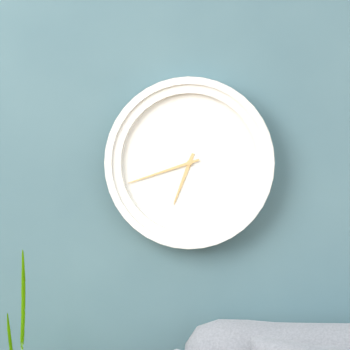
6:42
